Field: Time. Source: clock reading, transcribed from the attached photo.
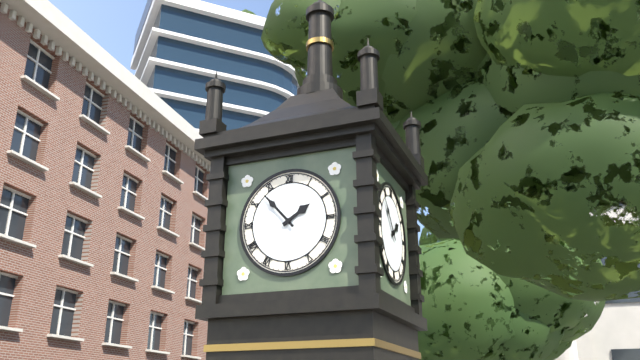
1:53
